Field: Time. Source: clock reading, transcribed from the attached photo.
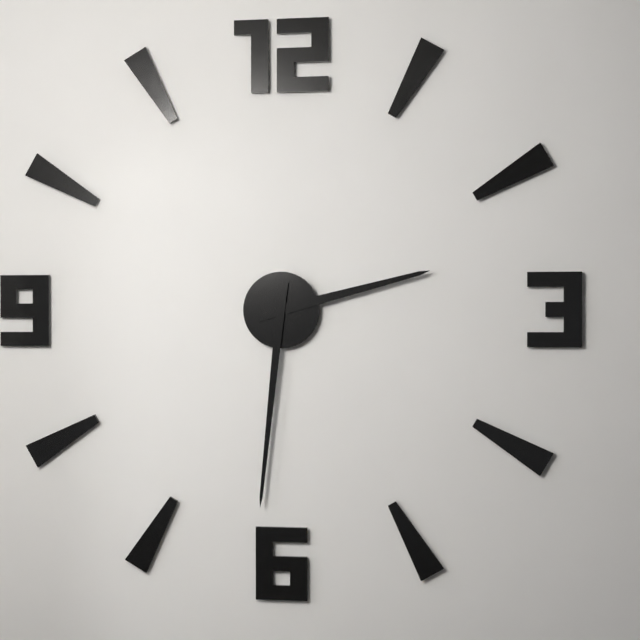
2:31
